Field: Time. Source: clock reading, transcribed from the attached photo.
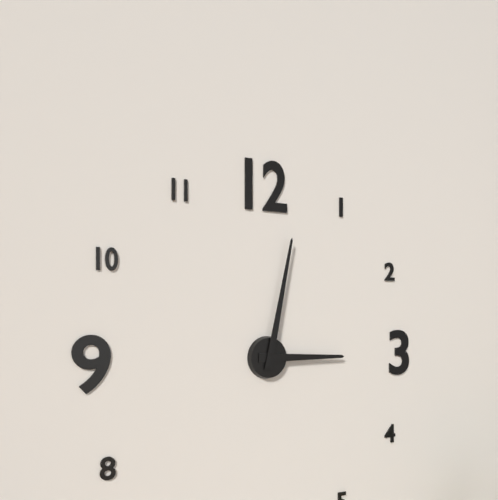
3:02
